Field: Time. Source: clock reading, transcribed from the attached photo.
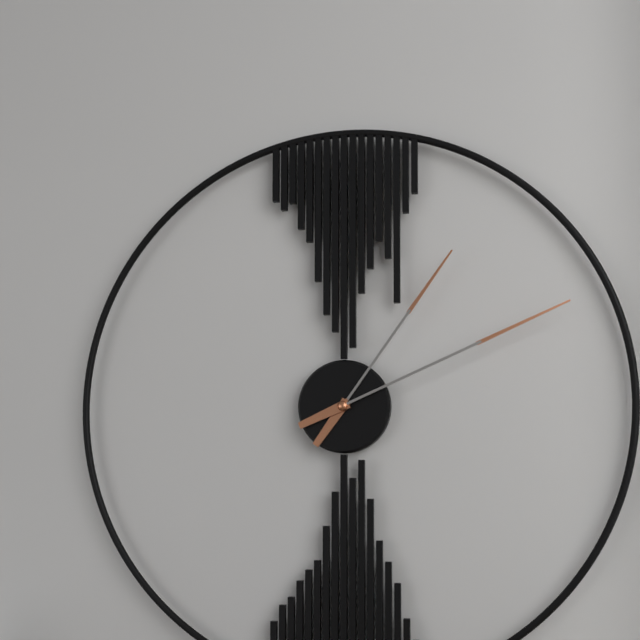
1:11
